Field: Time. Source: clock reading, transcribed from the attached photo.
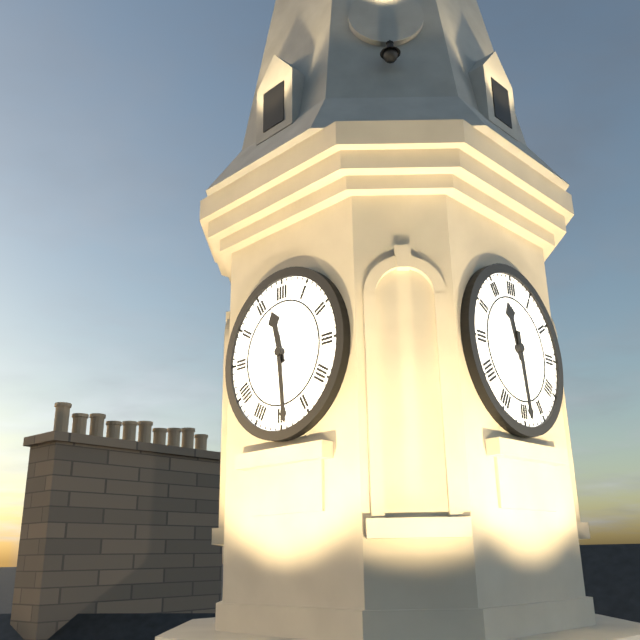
11:29
